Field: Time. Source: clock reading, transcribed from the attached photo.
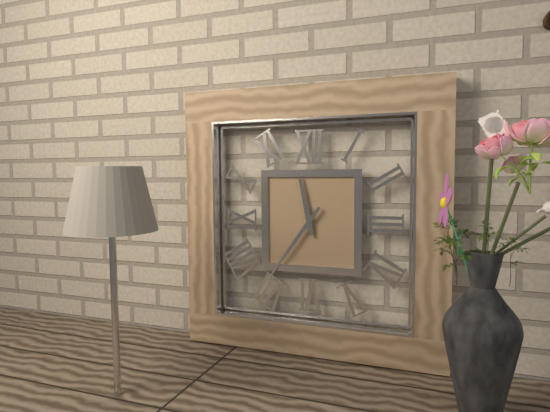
11:36
